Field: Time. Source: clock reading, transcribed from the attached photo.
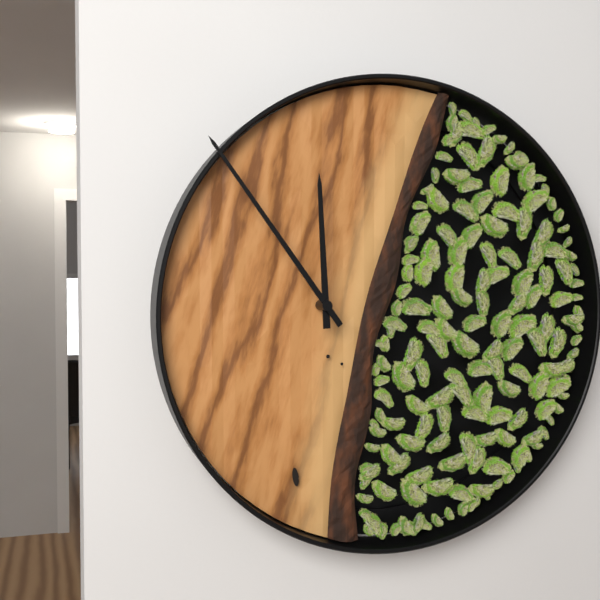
11:54
